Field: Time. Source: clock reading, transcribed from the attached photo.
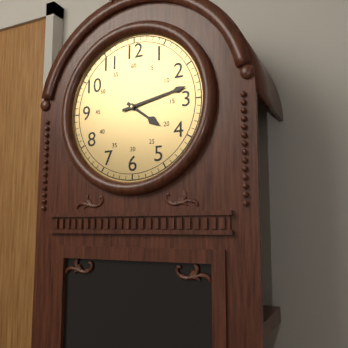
4:13
